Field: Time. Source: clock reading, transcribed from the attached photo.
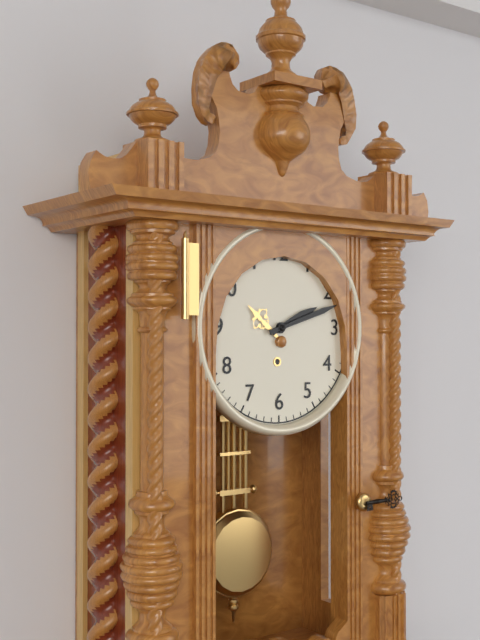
2:12
